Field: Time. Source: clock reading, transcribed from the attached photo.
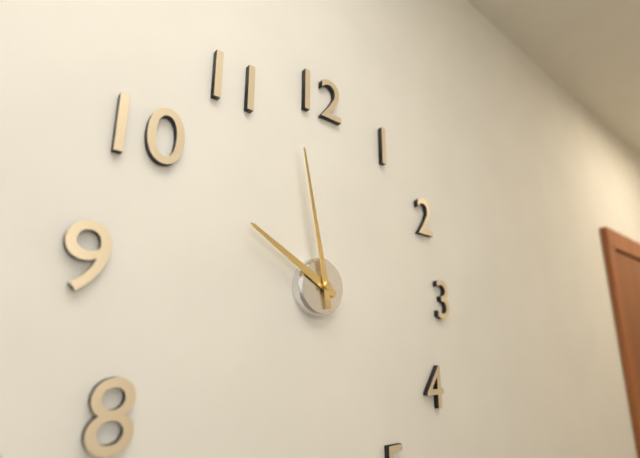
9:58
